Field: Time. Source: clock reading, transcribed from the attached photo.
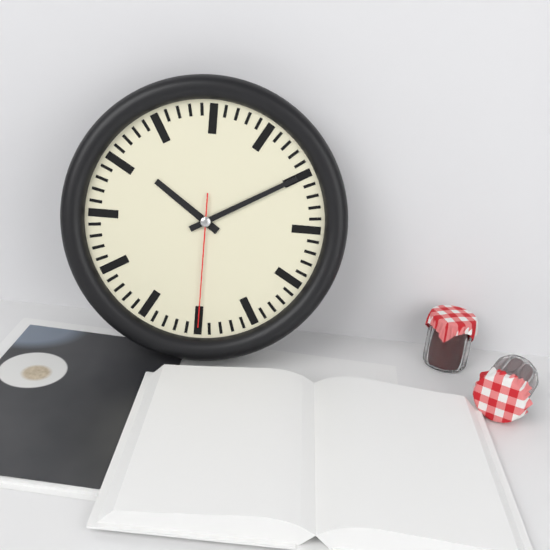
10:10:30
